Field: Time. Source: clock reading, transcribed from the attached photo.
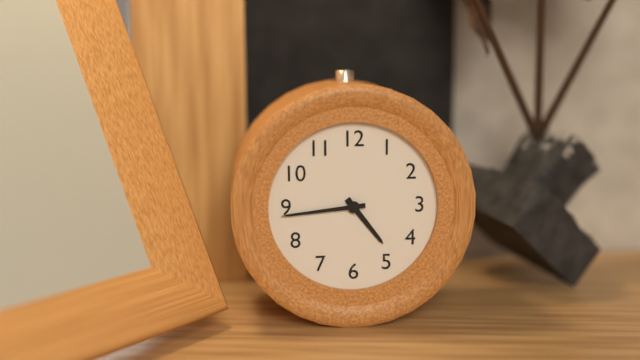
4:44
